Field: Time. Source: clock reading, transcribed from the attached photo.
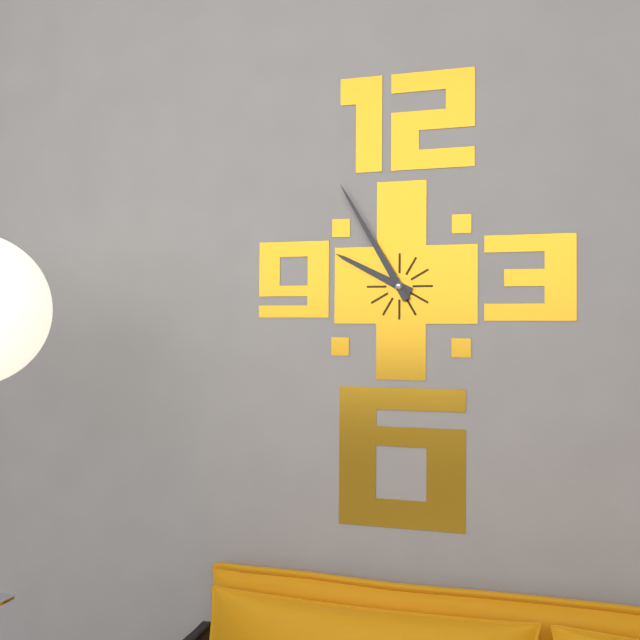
9:55
